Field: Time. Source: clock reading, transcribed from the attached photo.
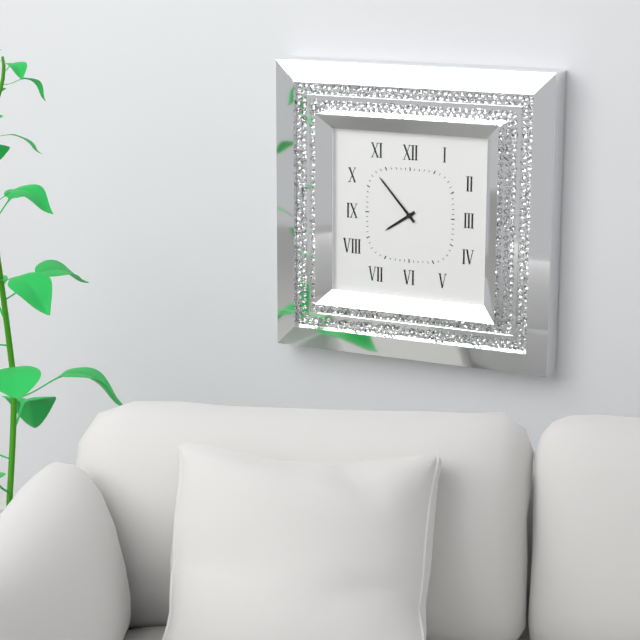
7:53
